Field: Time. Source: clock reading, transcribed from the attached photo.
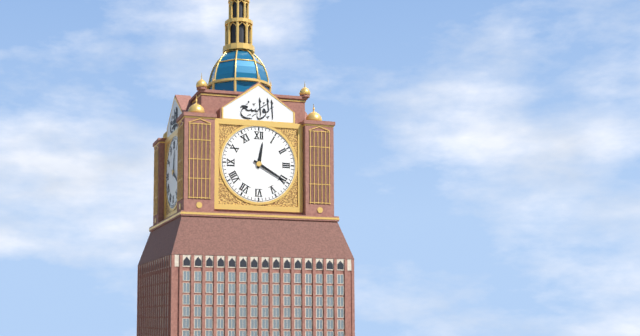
12:20
